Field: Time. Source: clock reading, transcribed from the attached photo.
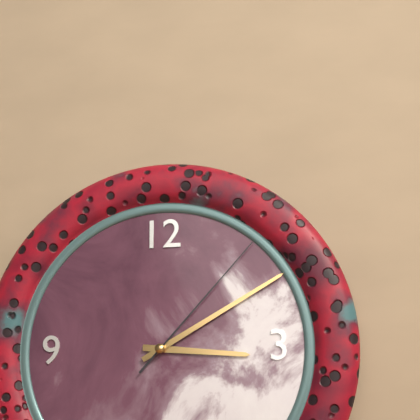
3:10:07
